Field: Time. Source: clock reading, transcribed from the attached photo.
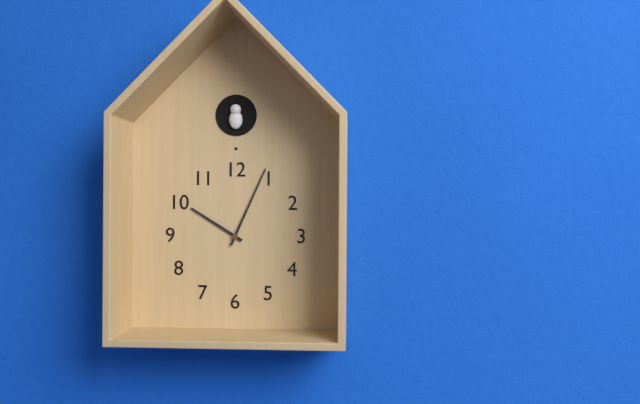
10:04
